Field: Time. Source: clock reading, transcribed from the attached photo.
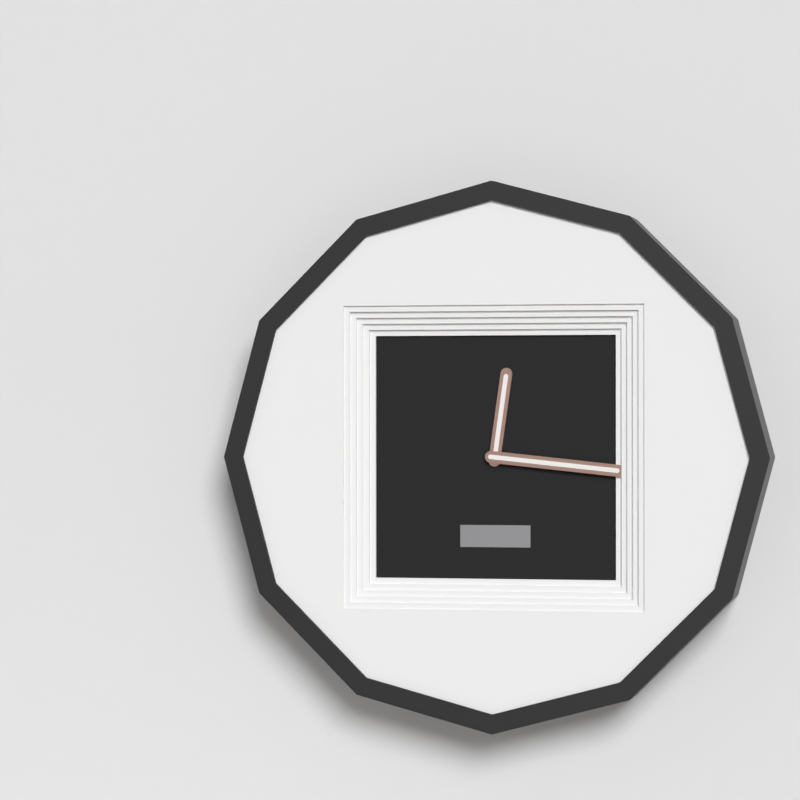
12:16
